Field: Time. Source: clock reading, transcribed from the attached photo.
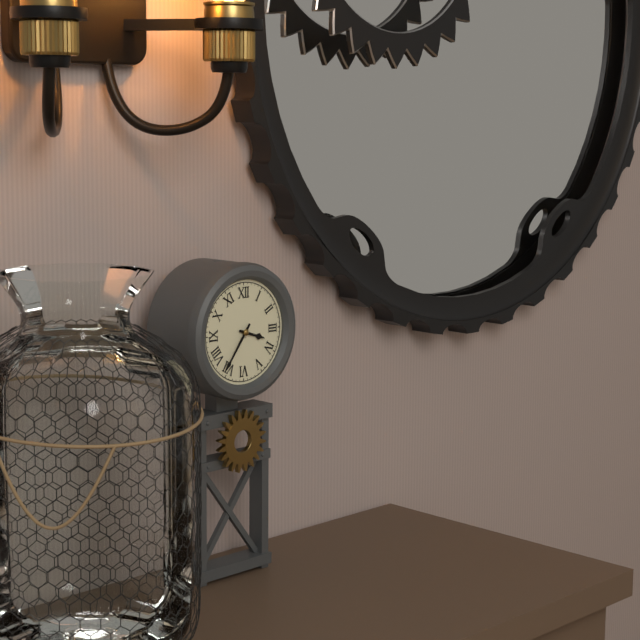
3:36
